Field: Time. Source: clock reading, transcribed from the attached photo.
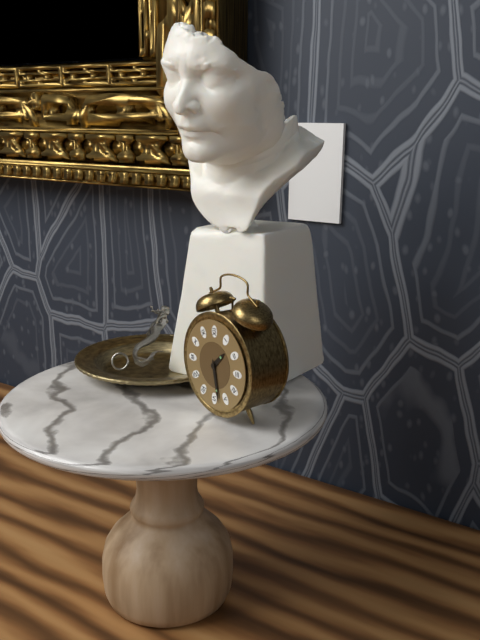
1:28
